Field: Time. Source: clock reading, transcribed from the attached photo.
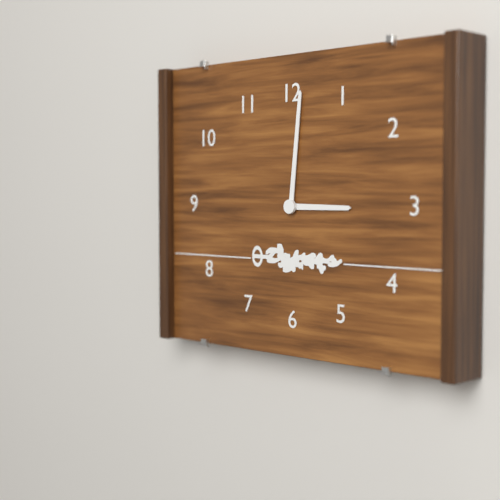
3:01
